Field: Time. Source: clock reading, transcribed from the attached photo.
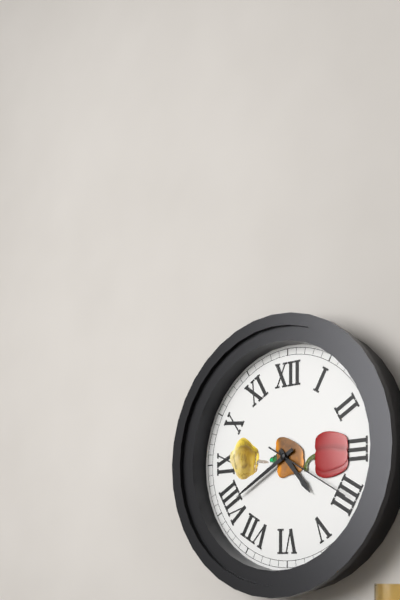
4:40:20
